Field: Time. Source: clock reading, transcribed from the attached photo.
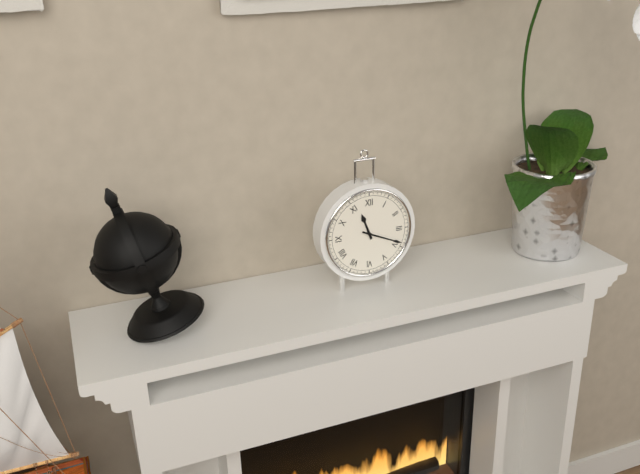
11:19
